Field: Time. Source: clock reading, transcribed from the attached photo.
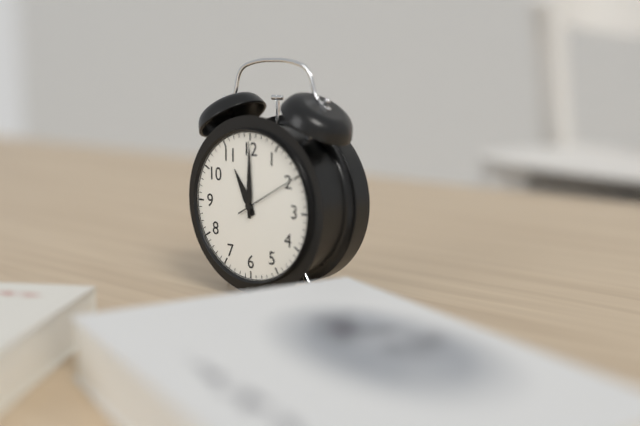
11:00
